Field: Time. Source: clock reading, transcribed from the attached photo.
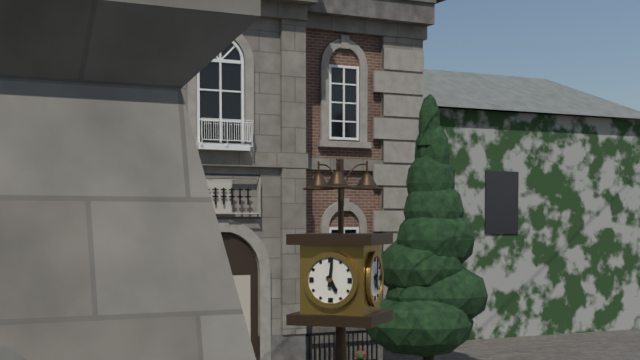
5:01
